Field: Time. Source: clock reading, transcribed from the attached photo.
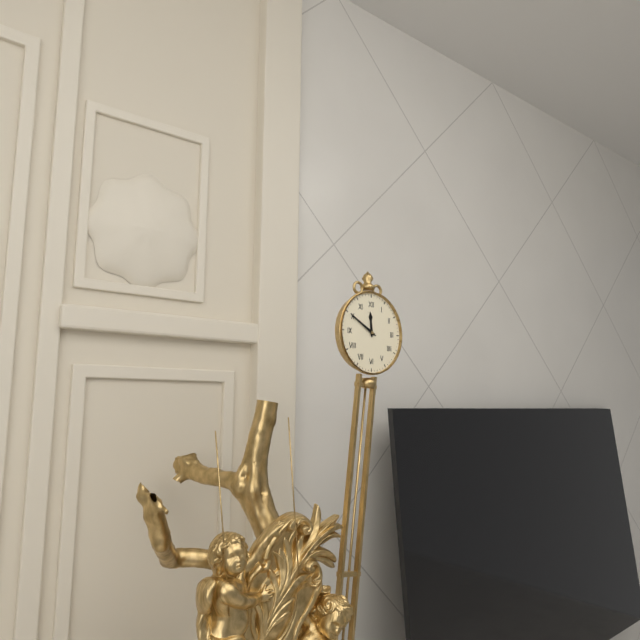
11:50
